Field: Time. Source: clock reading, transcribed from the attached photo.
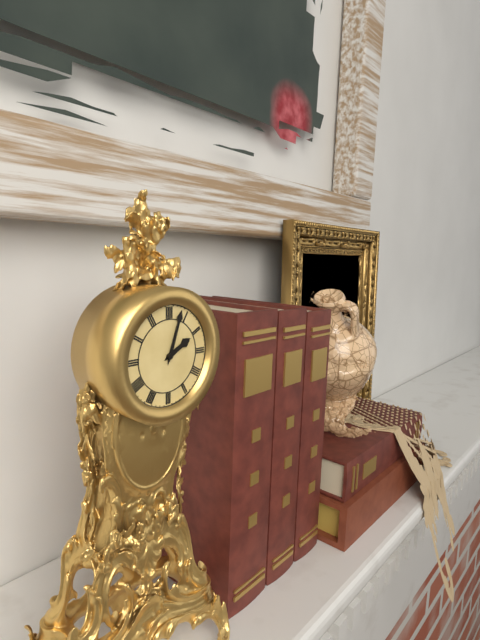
2:03
